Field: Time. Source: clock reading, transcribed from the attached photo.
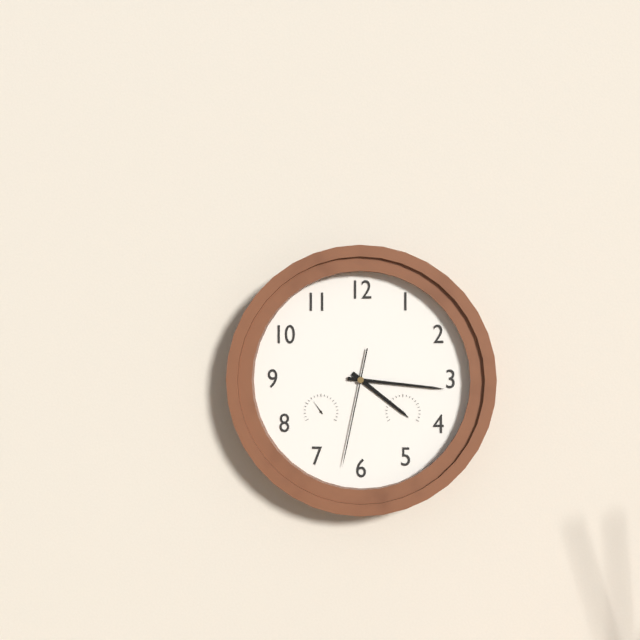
4:16:32
